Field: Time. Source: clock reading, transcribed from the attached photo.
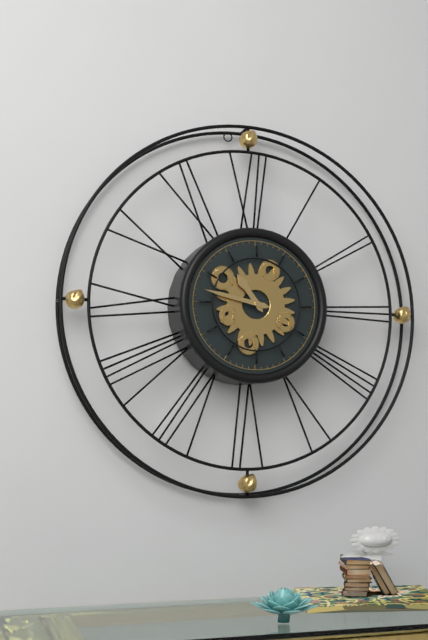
10:47
